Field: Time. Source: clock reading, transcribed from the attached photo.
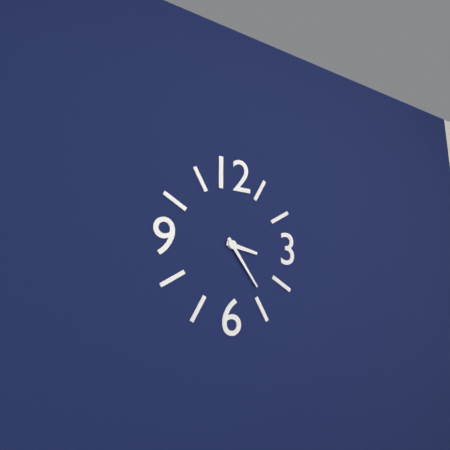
3:24
